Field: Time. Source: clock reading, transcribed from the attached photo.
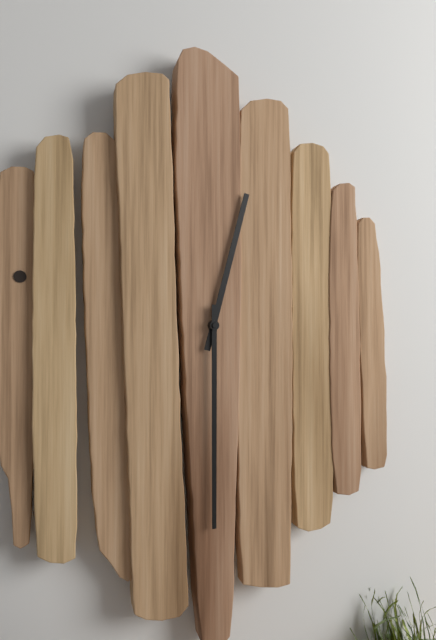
12:30
